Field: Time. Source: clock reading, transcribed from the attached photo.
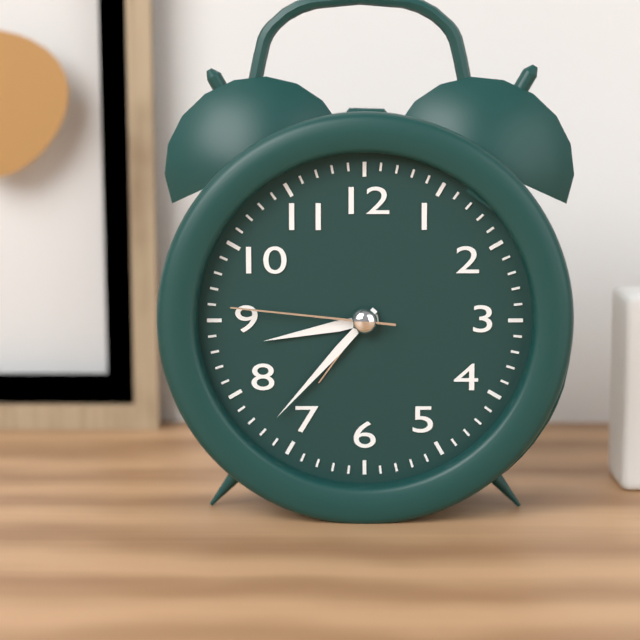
8:37:46
